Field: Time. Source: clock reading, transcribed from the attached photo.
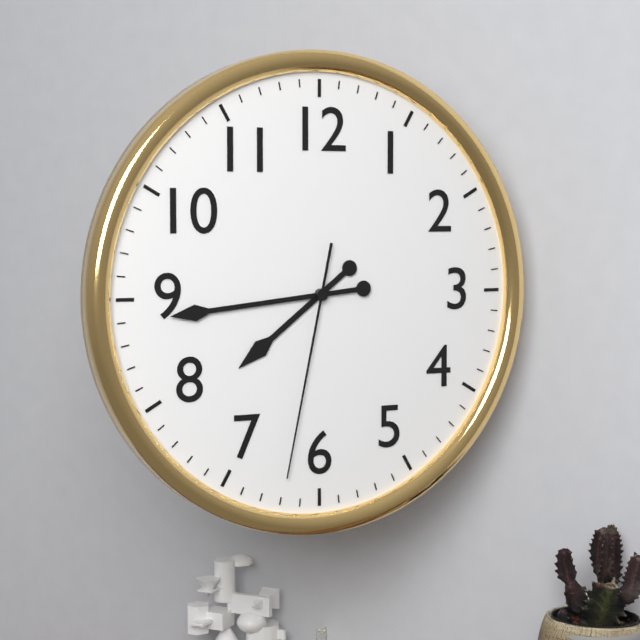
7:44:32
